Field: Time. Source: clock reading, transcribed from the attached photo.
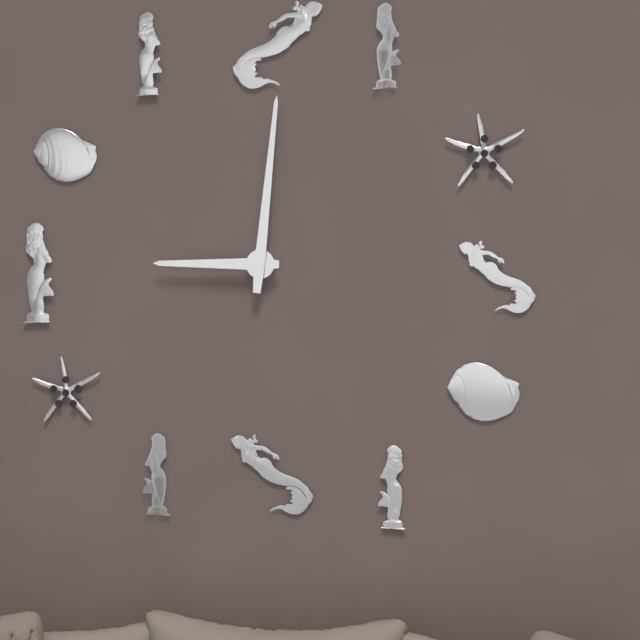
9:01
